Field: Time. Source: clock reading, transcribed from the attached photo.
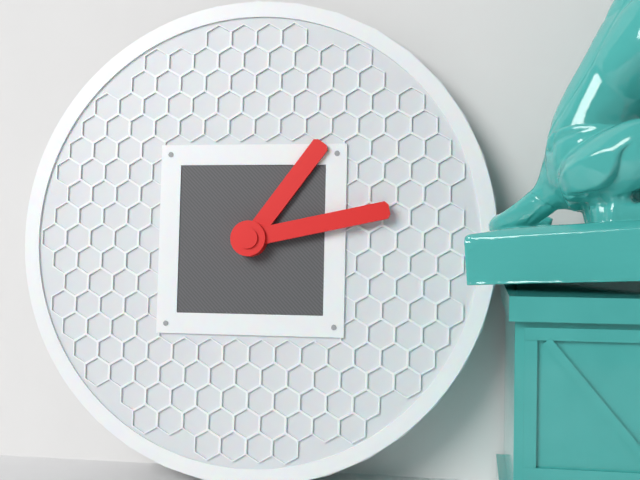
1:13
